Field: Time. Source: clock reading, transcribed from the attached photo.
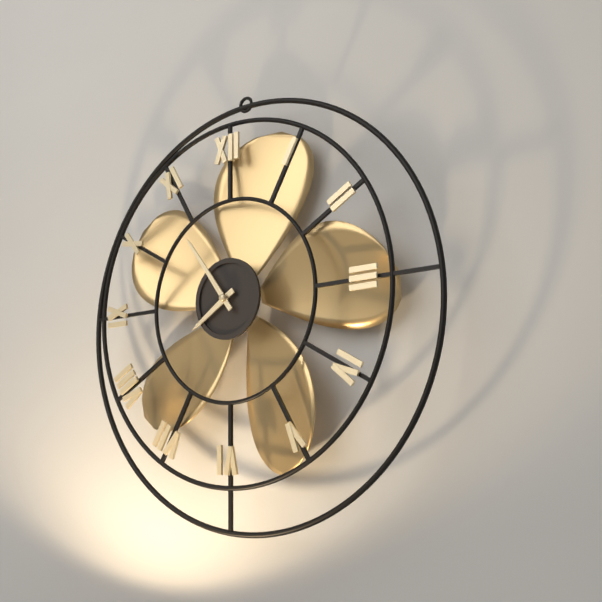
7:54
